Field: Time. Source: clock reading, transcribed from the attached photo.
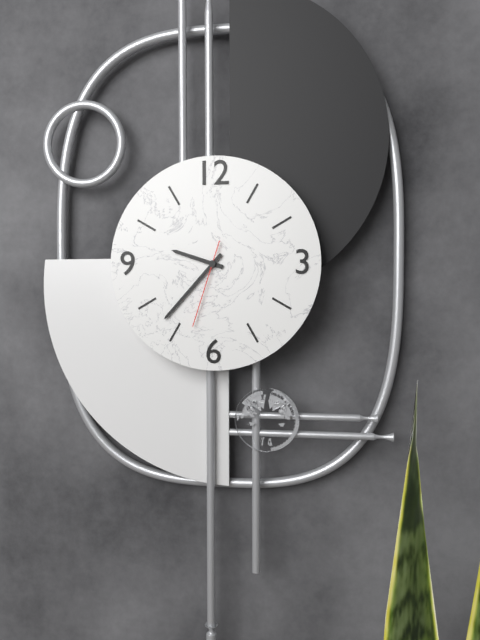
9:37:33
